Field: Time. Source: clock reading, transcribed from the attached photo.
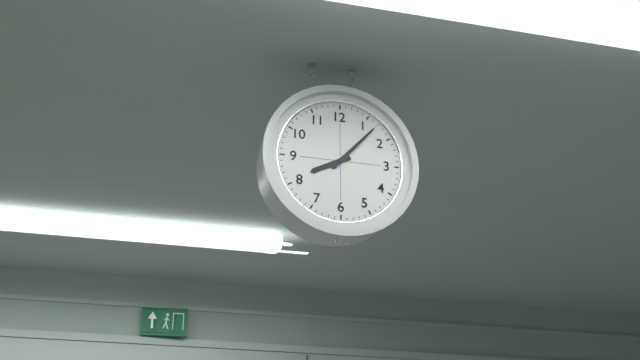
8:07
